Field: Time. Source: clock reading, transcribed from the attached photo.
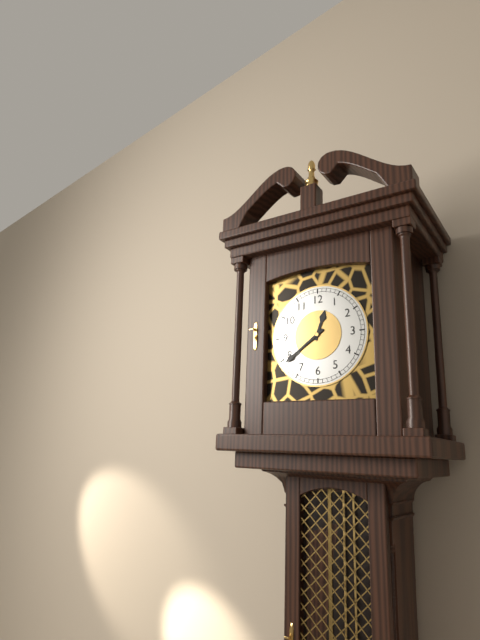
12:39
